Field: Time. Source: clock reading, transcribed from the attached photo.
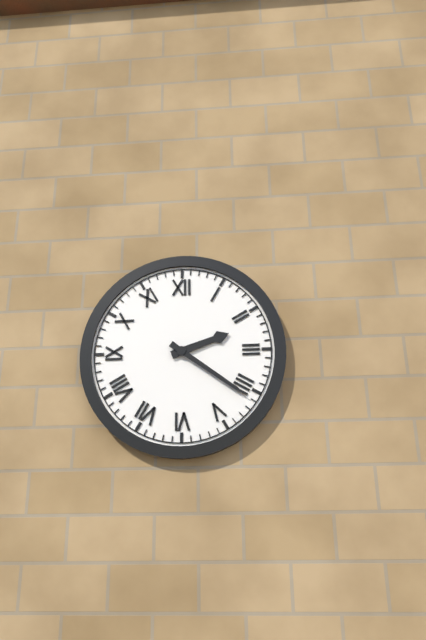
2:21
